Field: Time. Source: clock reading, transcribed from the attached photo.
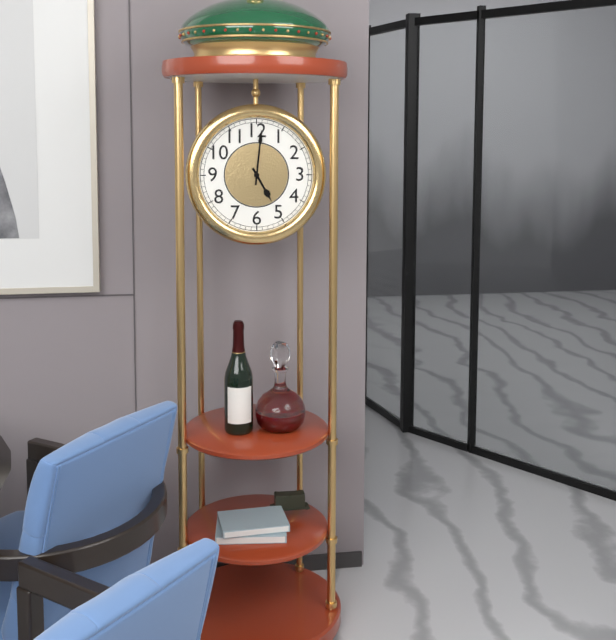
5:01
